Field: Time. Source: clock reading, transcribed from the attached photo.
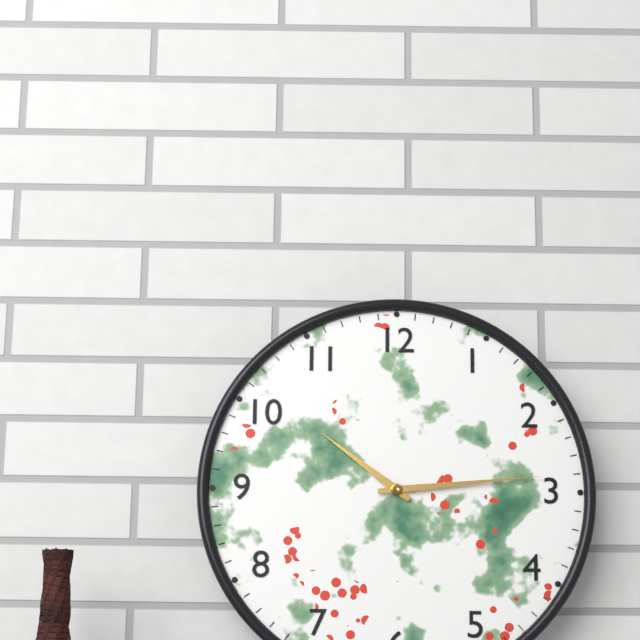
10:14
